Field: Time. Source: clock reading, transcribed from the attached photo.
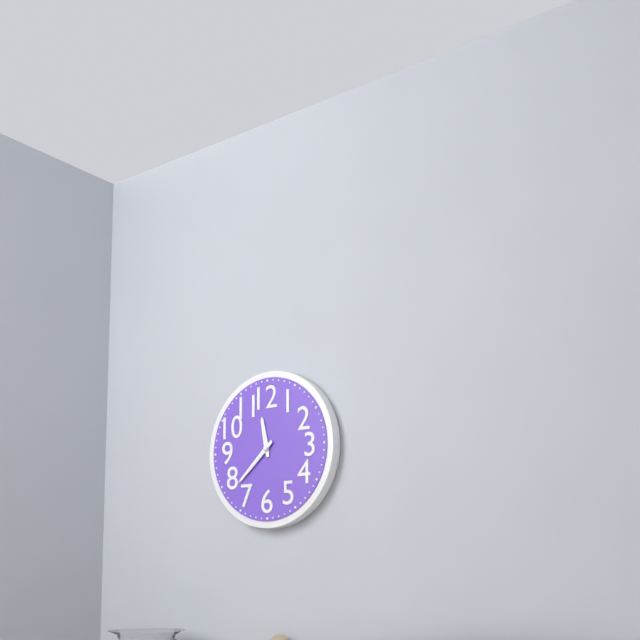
11:38
